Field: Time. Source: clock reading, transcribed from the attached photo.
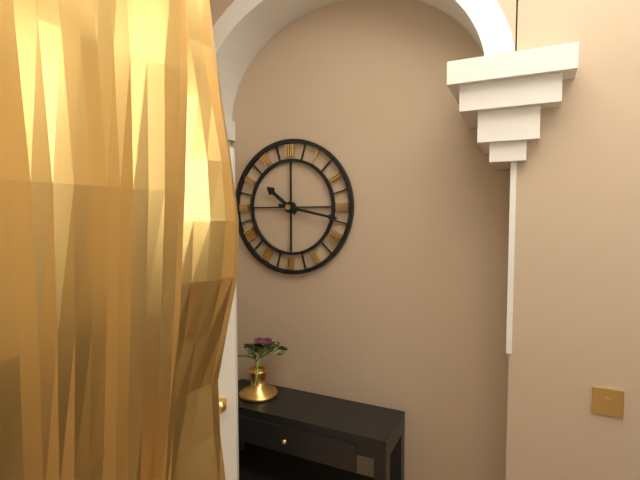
10:17
